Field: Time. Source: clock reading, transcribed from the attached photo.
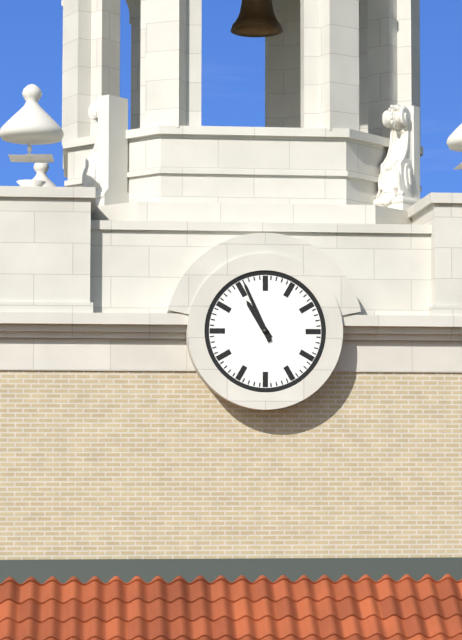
10:56
